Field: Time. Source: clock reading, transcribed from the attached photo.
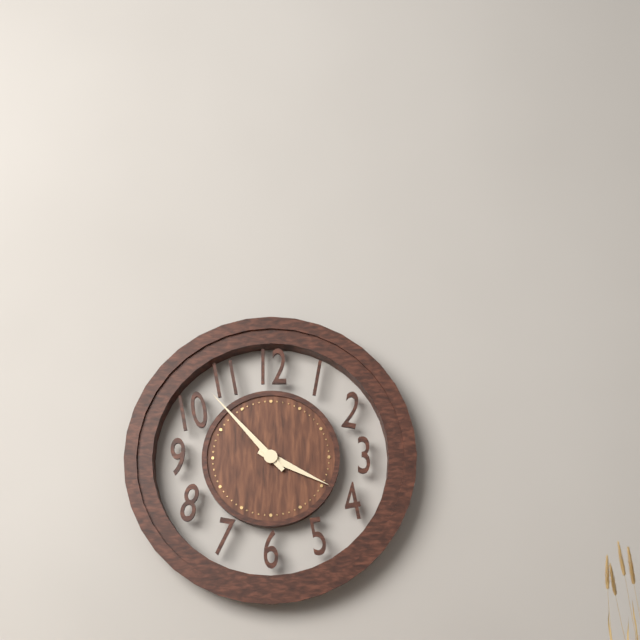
3:53
